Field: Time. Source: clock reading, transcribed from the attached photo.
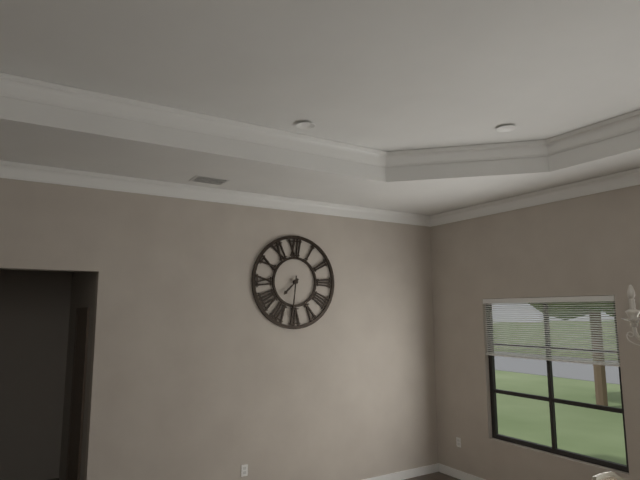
7:31
